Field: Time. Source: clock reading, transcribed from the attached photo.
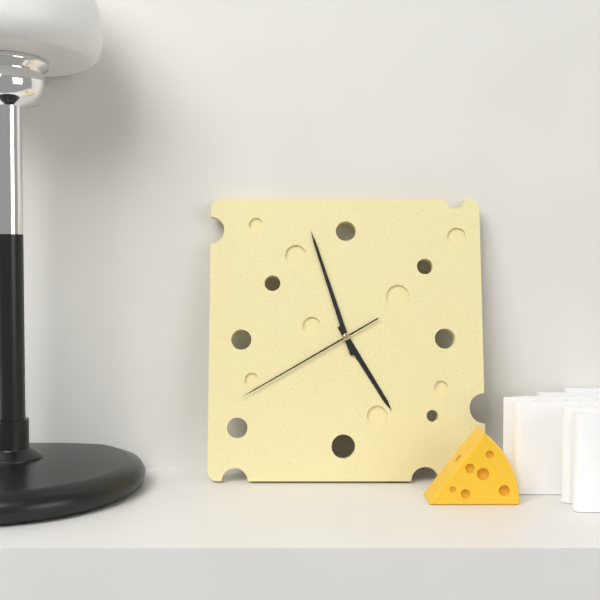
4:57:40
